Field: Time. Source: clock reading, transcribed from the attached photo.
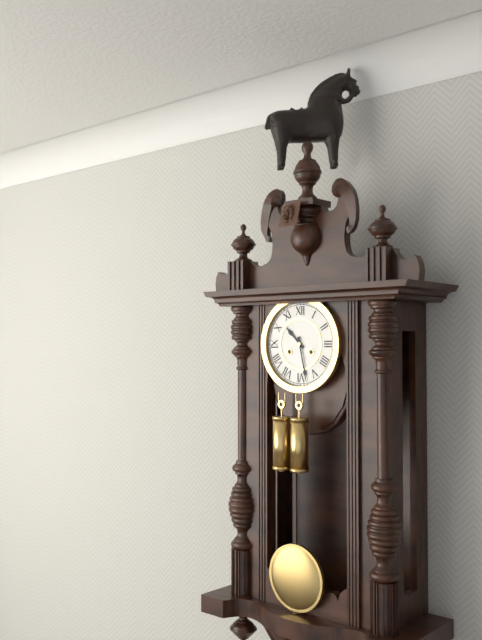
10:28
